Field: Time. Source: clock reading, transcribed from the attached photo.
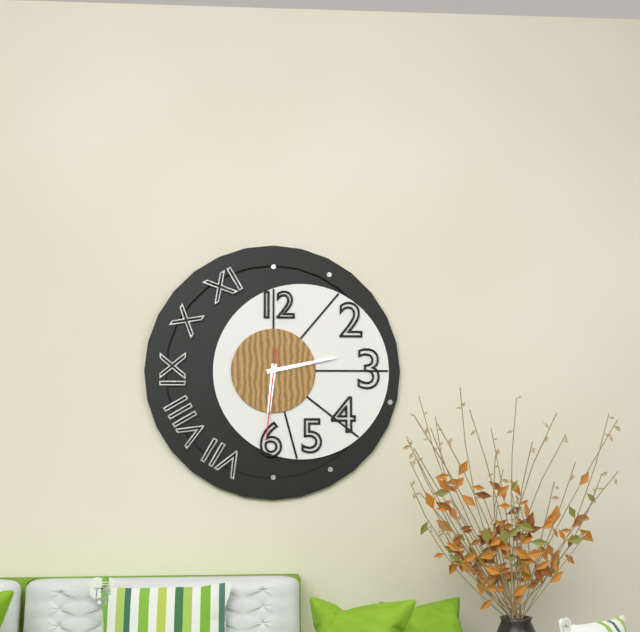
6:13:31
